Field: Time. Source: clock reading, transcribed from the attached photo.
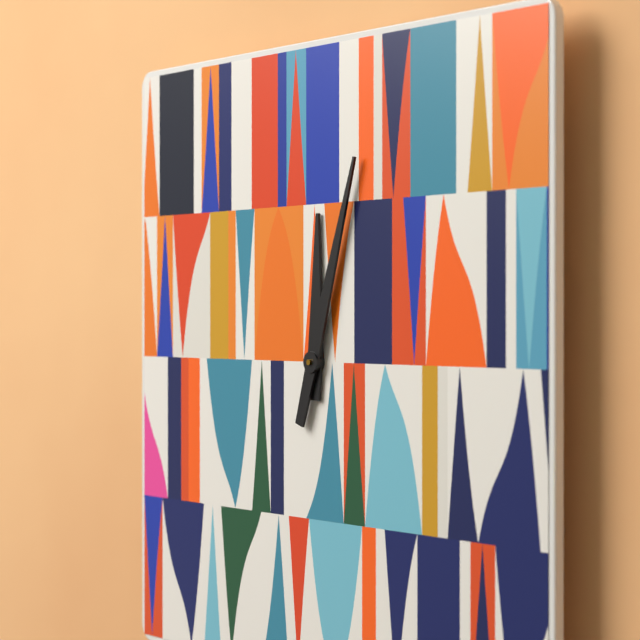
12:03
